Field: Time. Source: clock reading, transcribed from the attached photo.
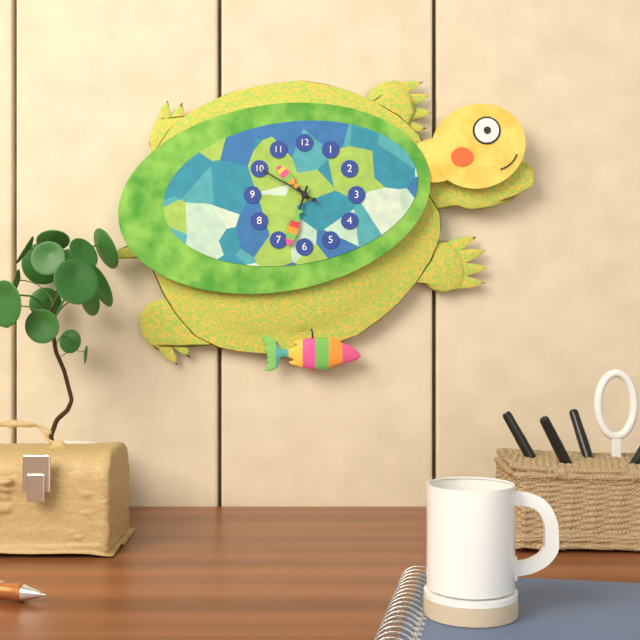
10:33:50
